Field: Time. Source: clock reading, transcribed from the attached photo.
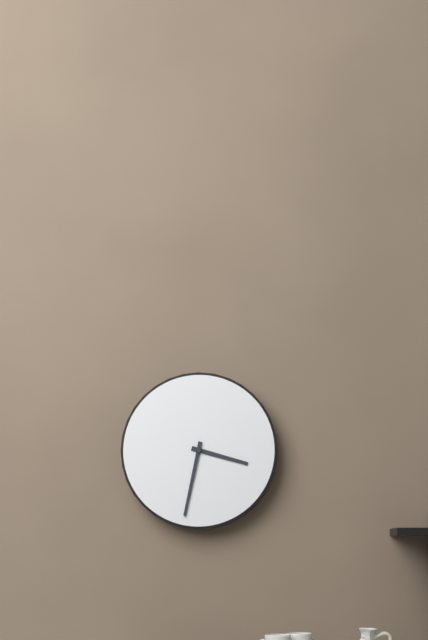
3:32
